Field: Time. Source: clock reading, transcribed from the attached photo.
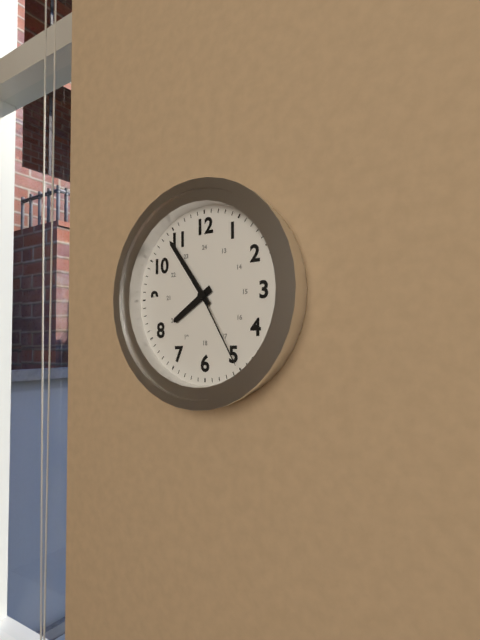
7:54:25
